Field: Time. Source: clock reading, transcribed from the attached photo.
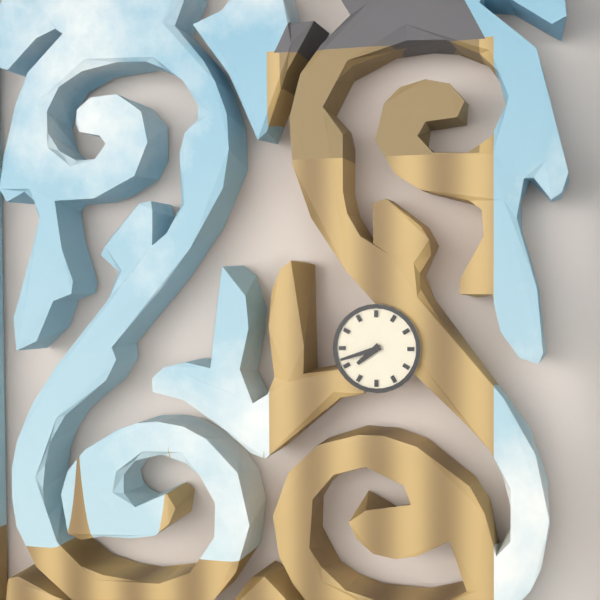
7:42
